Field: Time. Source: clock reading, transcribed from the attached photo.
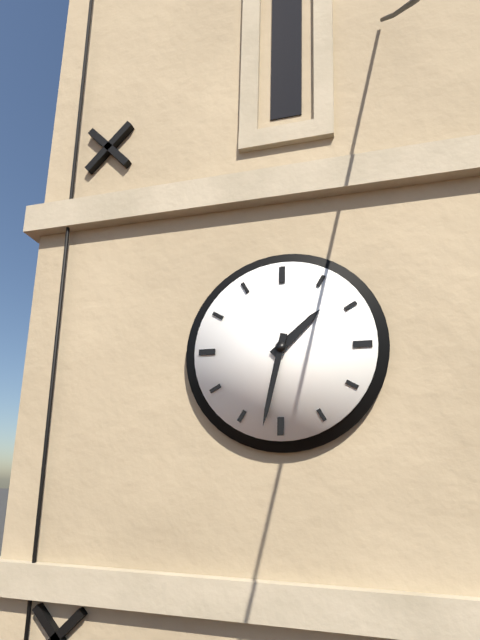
1:32
